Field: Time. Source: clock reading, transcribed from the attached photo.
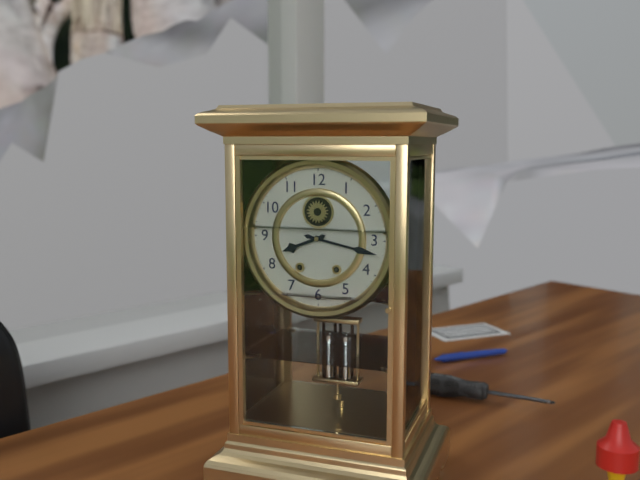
8:17
